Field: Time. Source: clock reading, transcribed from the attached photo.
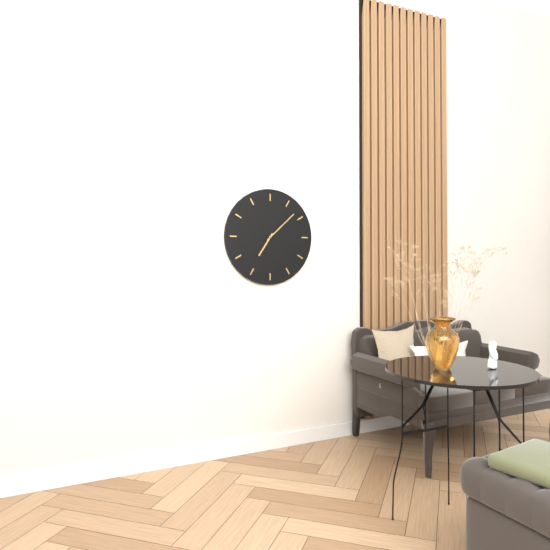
7:08
